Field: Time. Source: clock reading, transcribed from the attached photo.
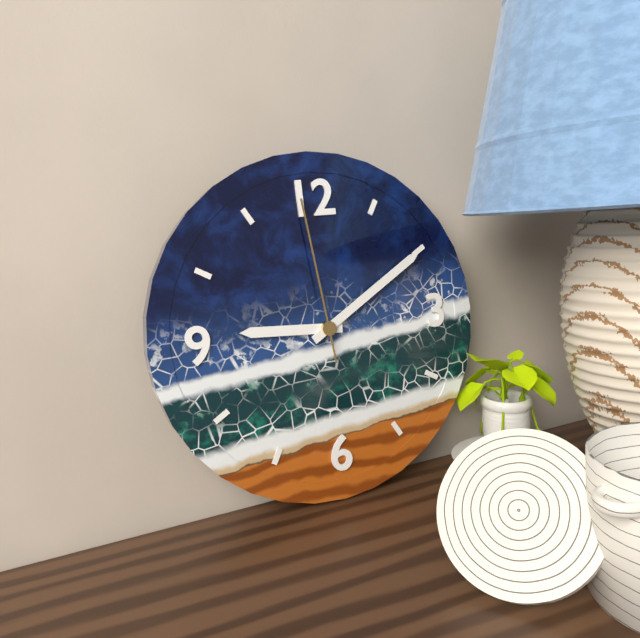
9:10:59
